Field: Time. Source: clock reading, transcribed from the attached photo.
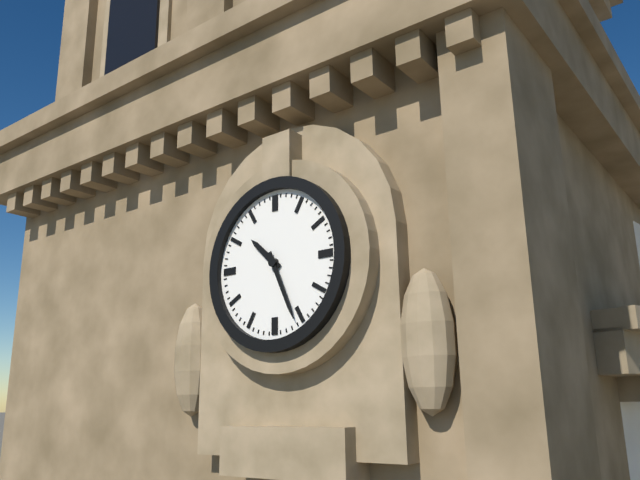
10:26
